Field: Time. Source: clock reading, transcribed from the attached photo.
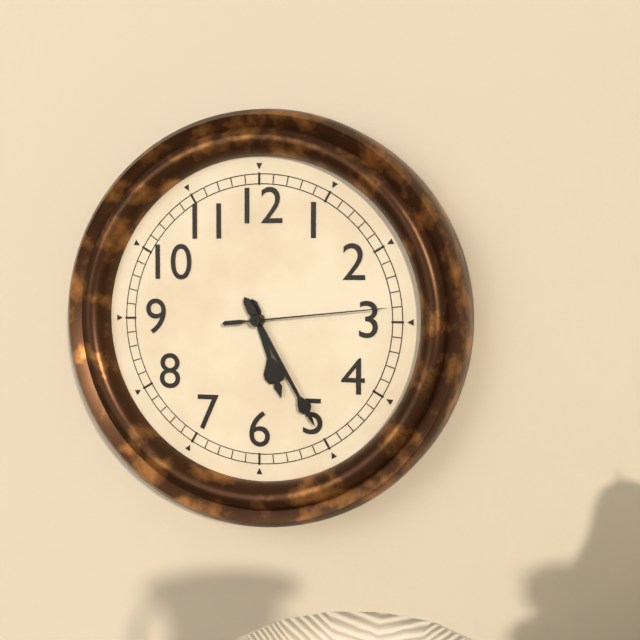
5:25:14
